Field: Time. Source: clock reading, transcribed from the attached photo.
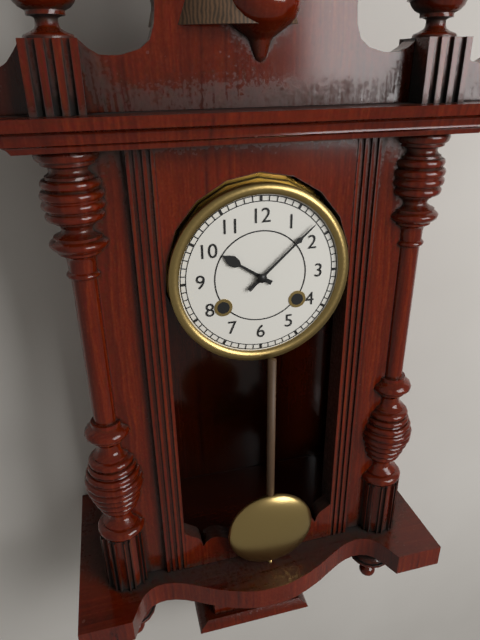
10:08
